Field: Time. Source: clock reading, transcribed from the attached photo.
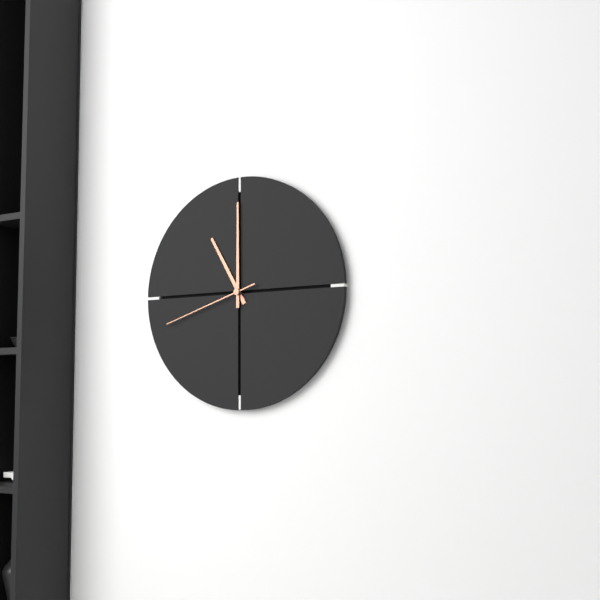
11:00:42
